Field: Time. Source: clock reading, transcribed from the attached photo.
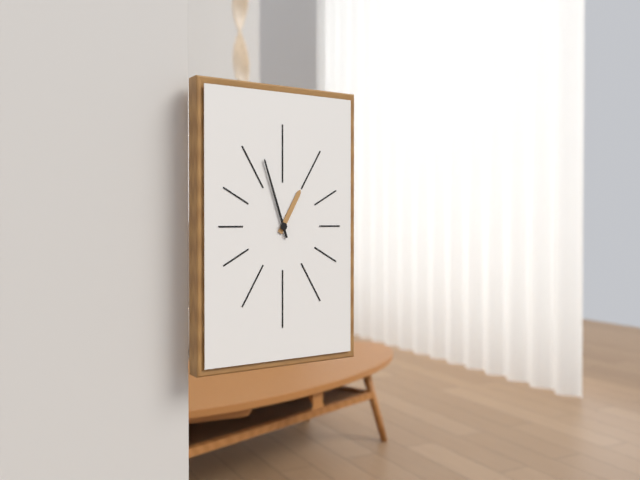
12:57
